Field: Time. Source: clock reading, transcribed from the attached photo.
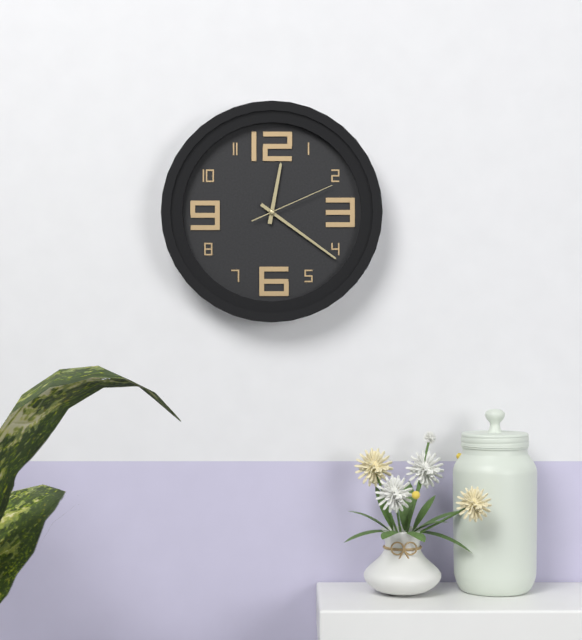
12:21:11
